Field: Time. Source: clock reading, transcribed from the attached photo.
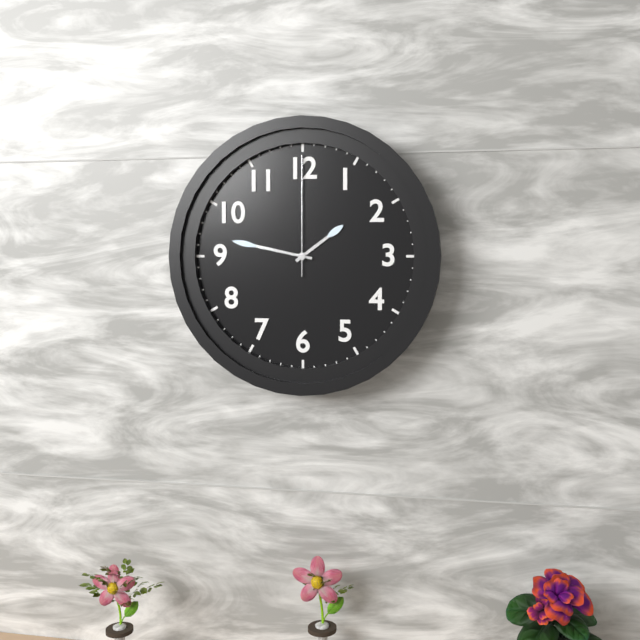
1:47:00
